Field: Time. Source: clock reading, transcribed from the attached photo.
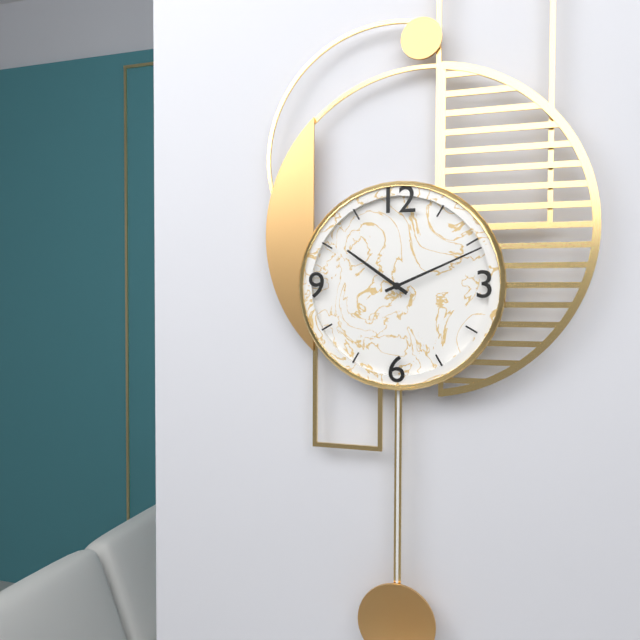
10:11
